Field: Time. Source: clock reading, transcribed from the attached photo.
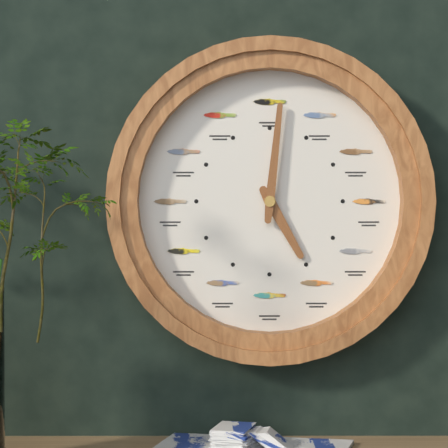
5:01
